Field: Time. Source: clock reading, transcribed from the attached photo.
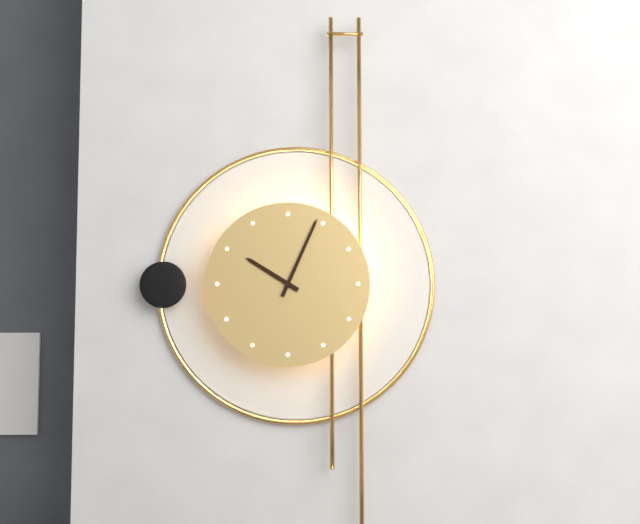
10:04
